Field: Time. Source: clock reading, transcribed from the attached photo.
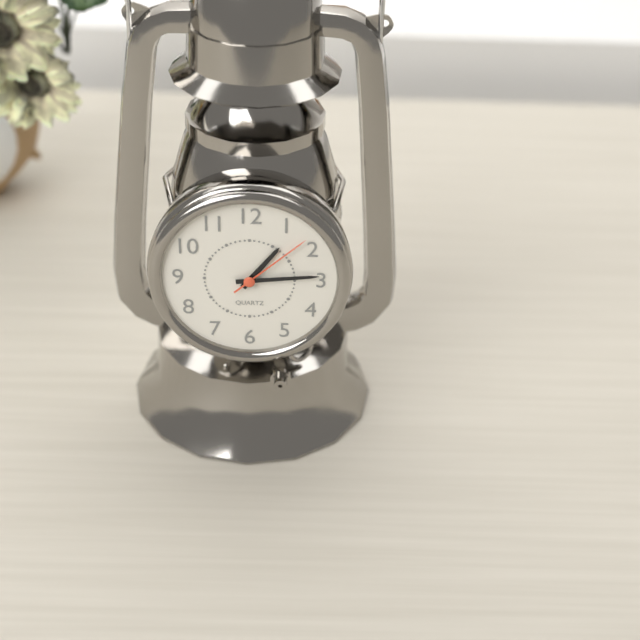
1:14:08
